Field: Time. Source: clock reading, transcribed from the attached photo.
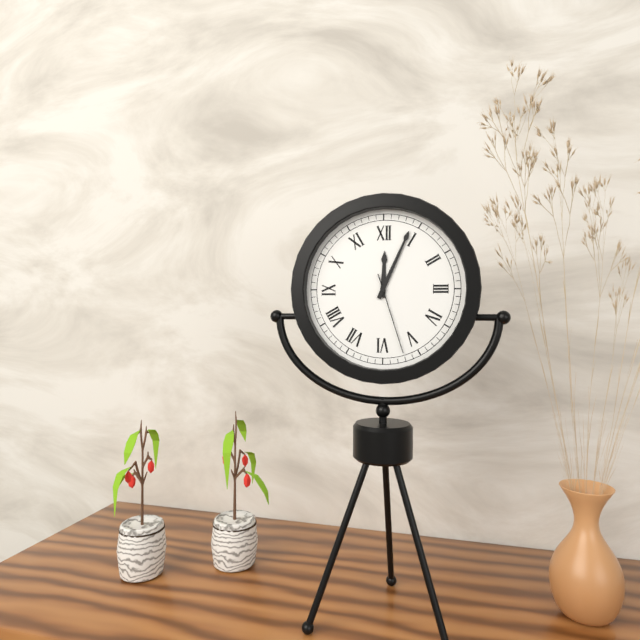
12:04:27
